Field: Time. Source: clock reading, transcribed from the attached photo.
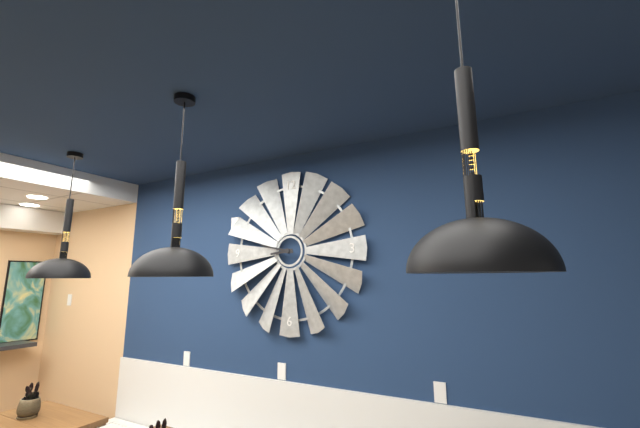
8:47
